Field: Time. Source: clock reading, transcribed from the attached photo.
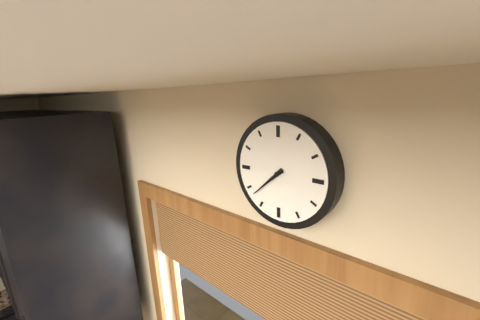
7:38
